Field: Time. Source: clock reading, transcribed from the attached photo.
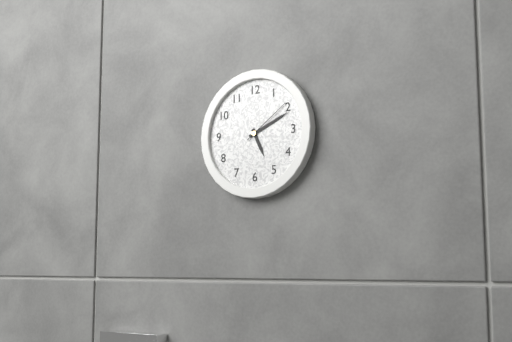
5:11:09
